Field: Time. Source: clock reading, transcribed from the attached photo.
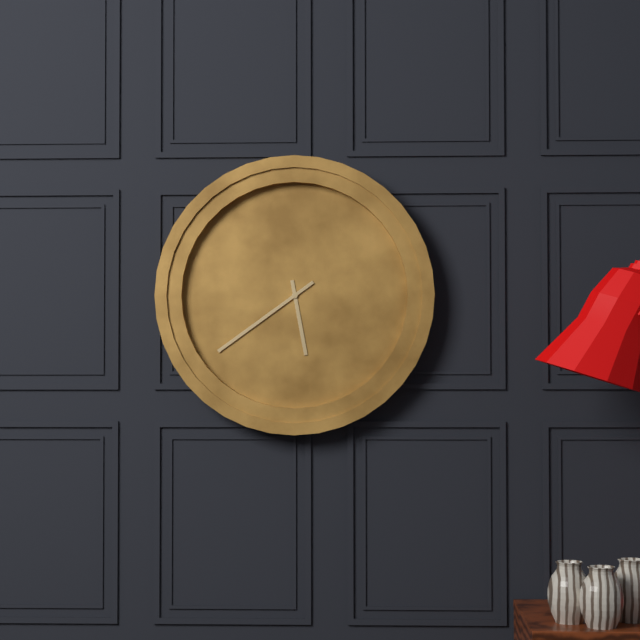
5:39
